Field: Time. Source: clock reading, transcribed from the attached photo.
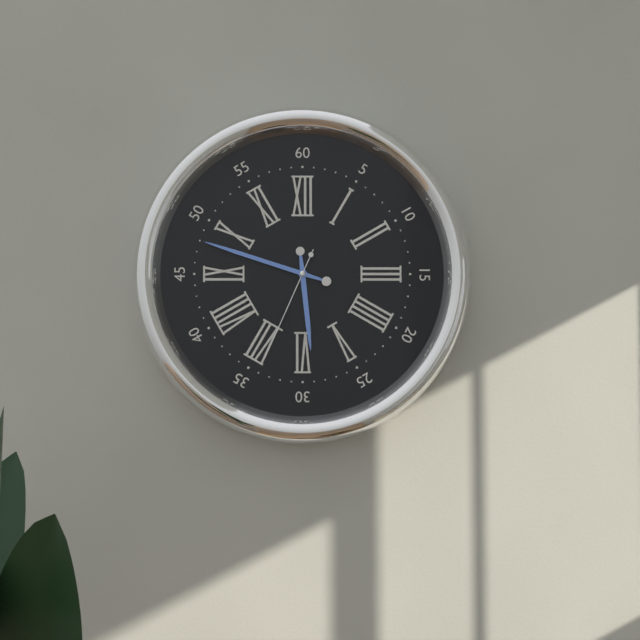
5:48:34
